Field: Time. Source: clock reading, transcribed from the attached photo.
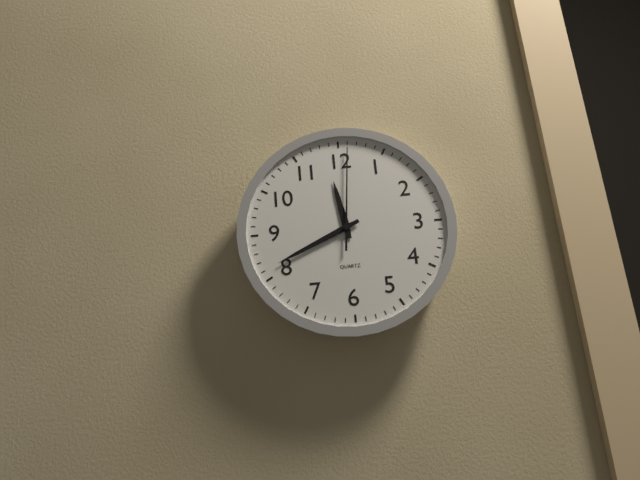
11:41:01
